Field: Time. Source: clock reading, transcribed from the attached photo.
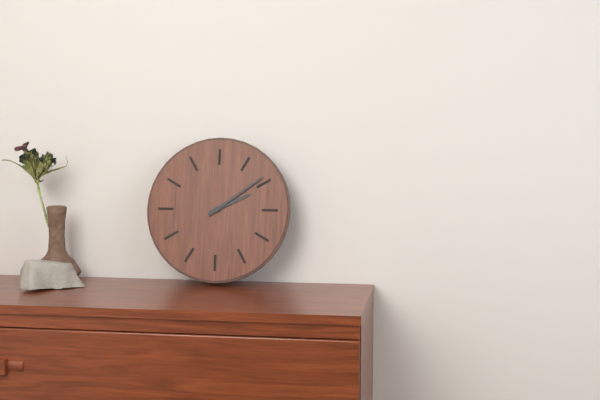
2:09
